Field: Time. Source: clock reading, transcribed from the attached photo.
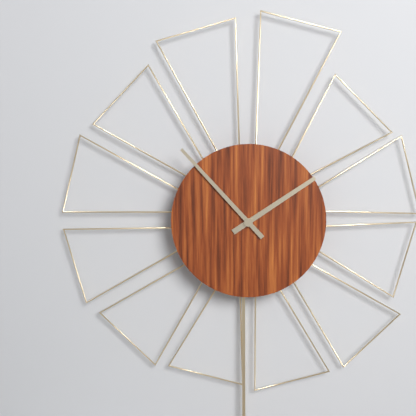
1:53
